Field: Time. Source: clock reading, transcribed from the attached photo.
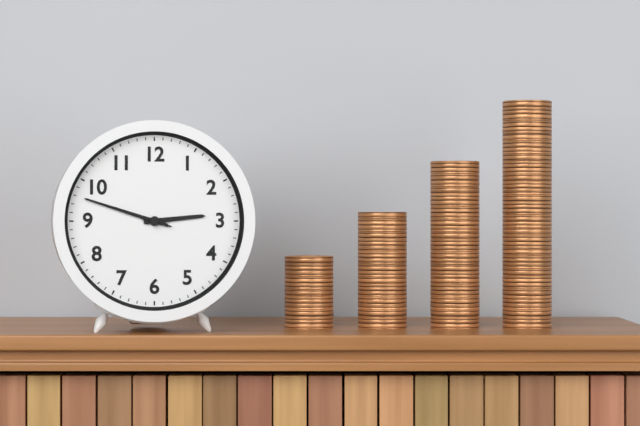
2:48:48
